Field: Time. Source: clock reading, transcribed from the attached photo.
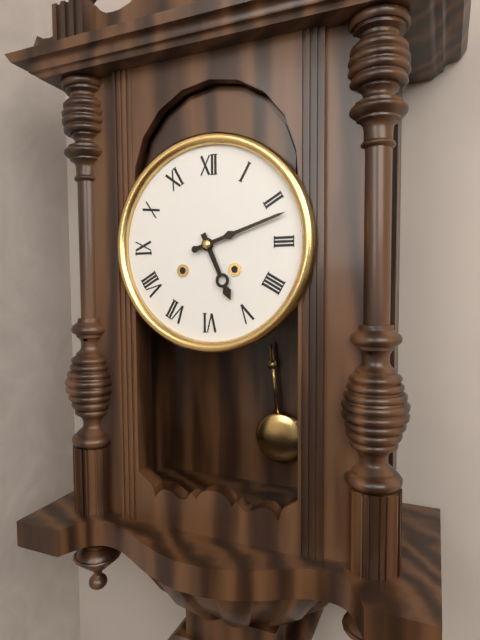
5:12
